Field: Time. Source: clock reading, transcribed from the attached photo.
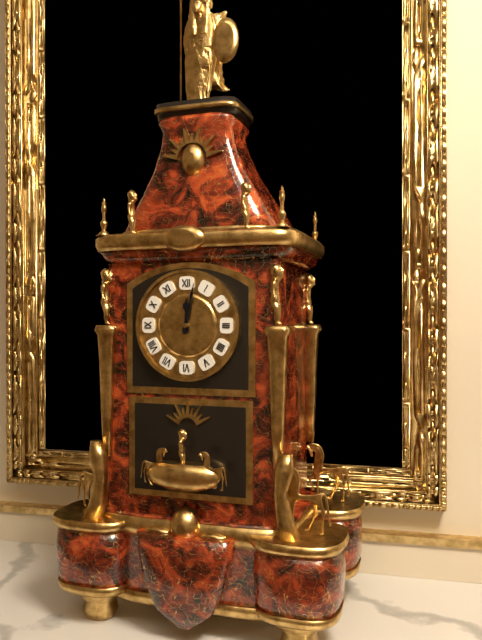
12:02
